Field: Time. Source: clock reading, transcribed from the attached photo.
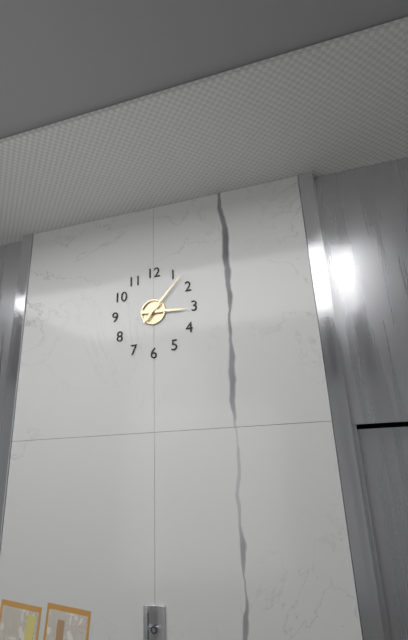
3:07
